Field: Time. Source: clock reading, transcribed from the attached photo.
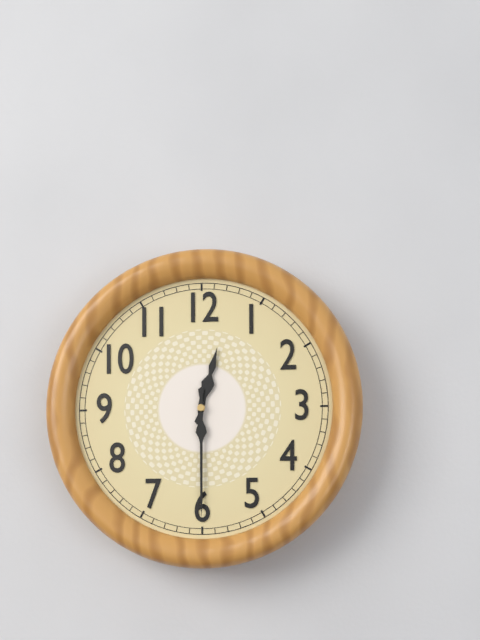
12:30
